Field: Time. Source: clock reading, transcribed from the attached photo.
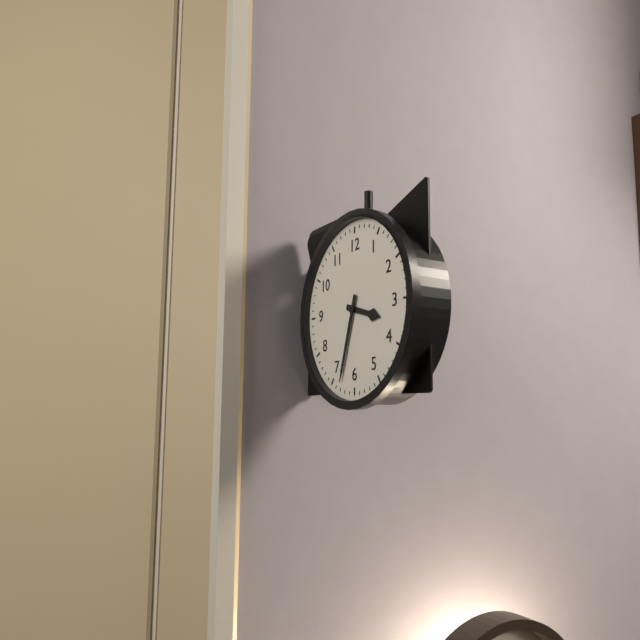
3:33
